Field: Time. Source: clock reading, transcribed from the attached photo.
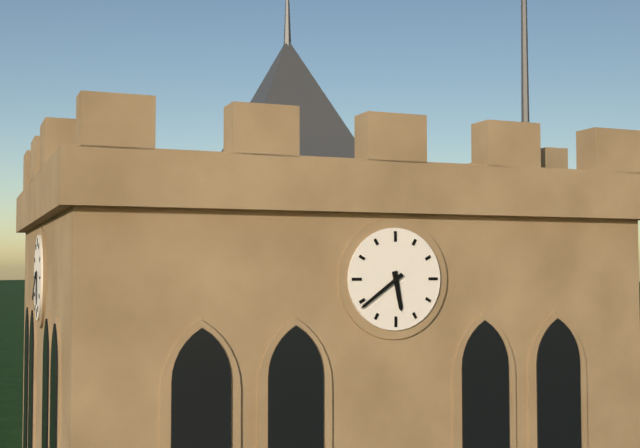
5:39
